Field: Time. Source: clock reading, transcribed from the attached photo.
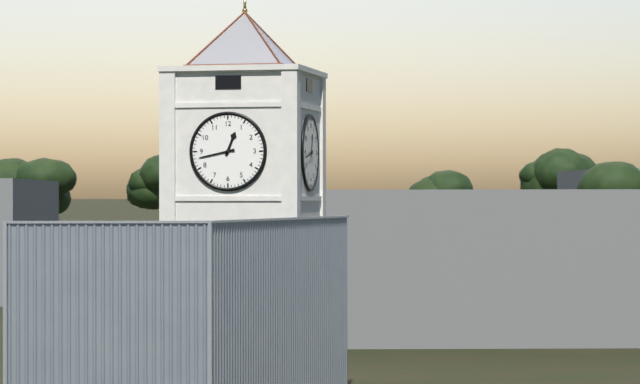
12:43
